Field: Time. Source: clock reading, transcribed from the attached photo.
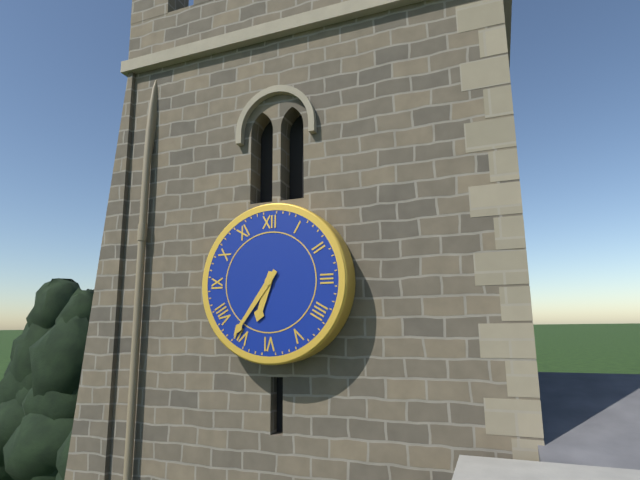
6:36
